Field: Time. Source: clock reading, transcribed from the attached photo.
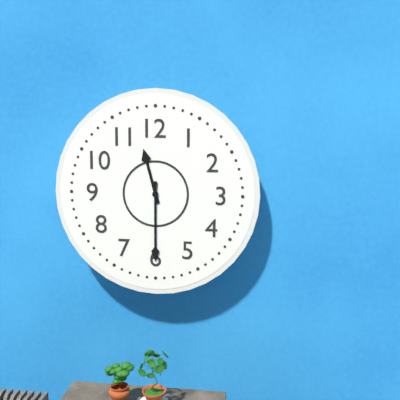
11:30
